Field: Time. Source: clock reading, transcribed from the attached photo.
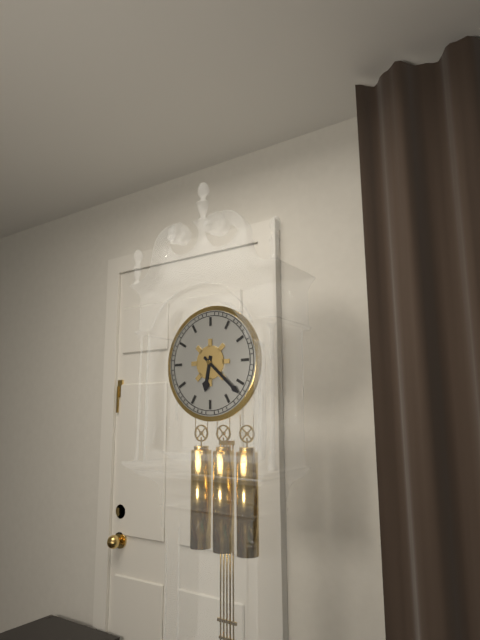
6:22
